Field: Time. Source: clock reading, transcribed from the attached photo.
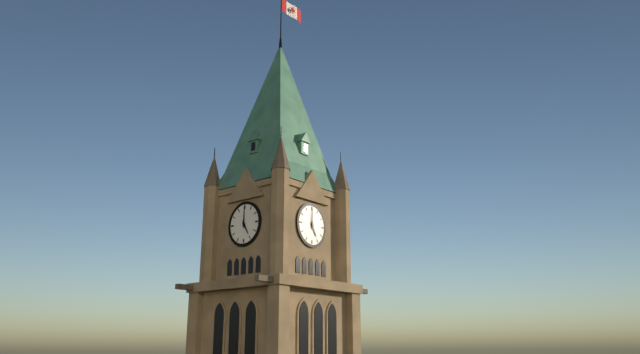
5:00
